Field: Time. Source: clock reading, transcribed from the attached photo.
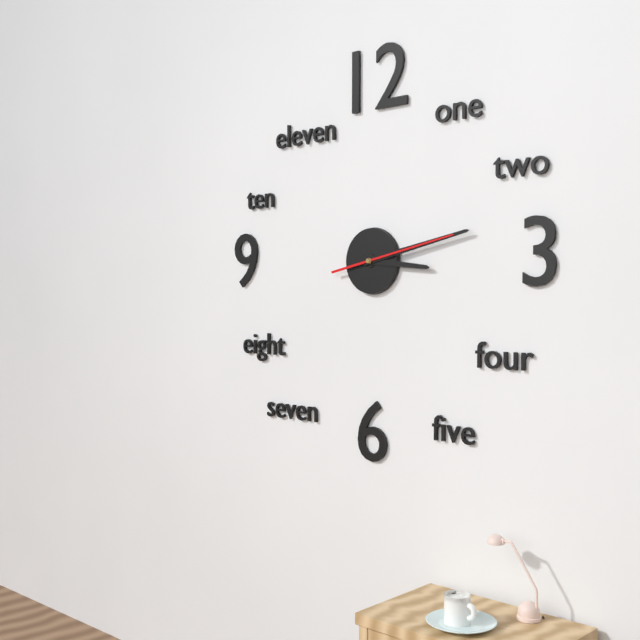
3:13:13
